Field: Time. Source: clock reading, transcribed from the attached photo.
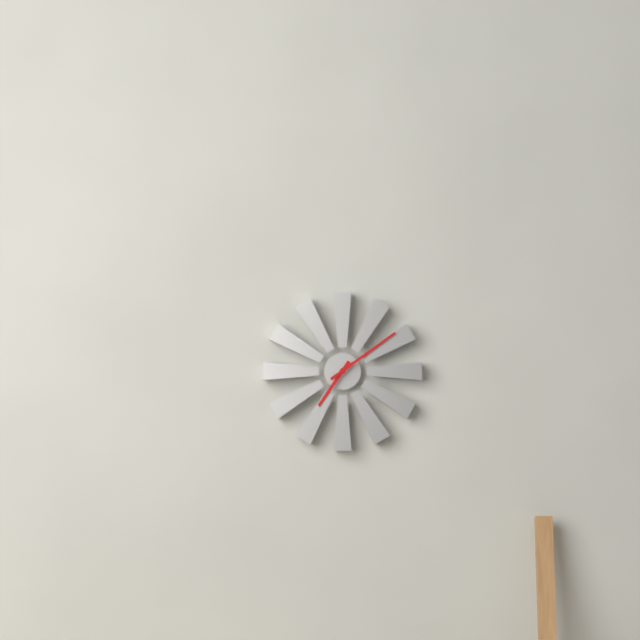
7:09
